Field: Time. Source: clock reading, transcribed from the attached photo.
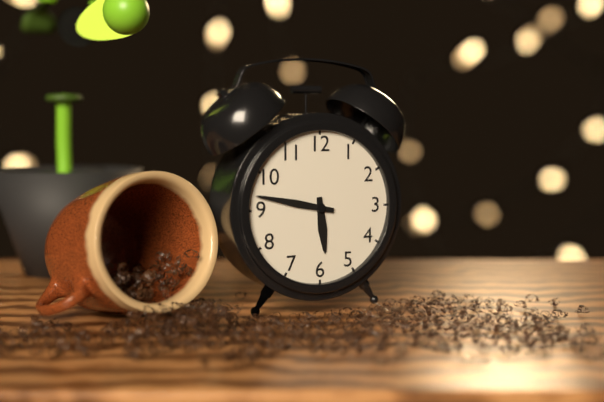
5:47
